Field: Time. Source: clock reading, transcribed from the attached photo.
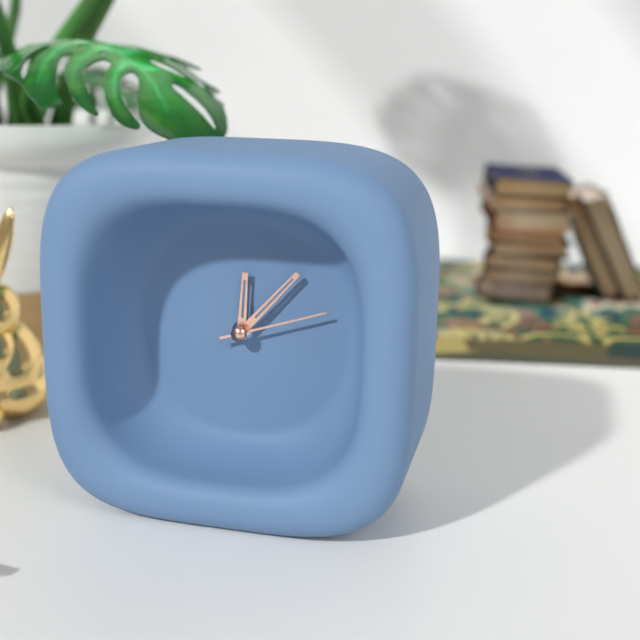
12:07:12
